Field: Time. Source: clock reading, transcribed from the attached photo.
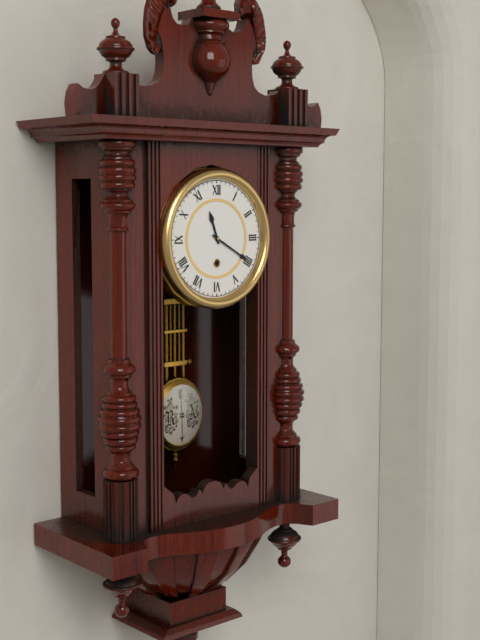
11:20
